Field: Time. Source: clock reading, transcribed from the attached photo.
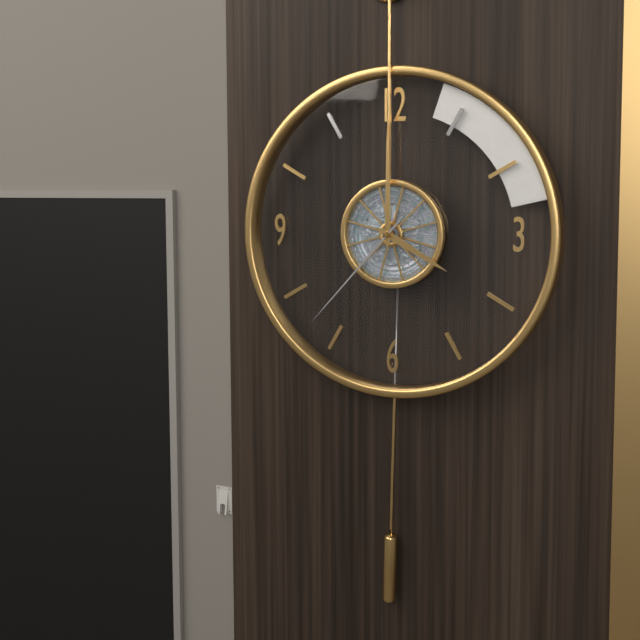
4:00:37
